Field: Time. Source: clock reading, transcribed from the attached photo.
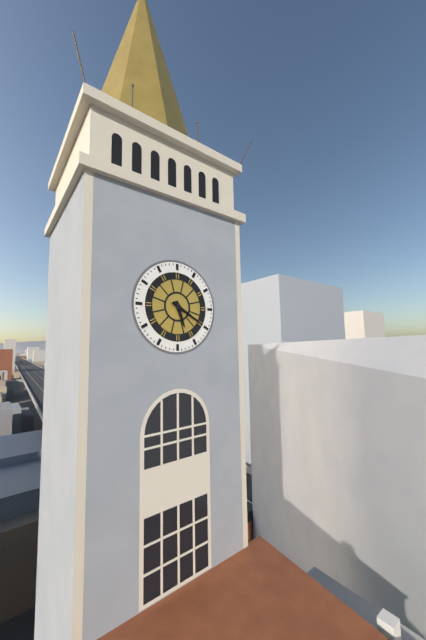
5:20
